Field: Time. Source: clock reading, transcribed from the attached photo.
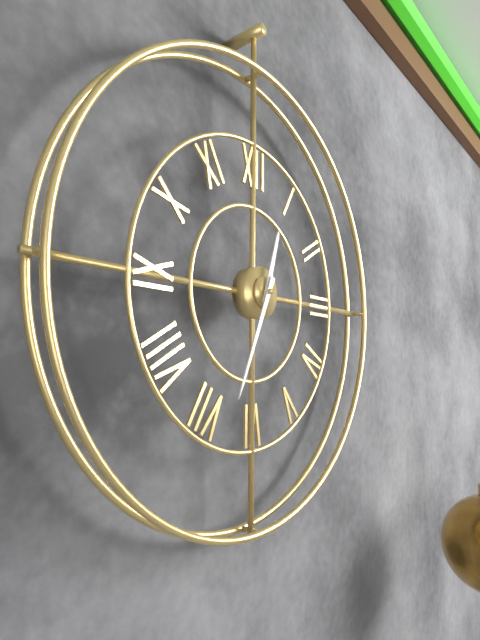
12:34
